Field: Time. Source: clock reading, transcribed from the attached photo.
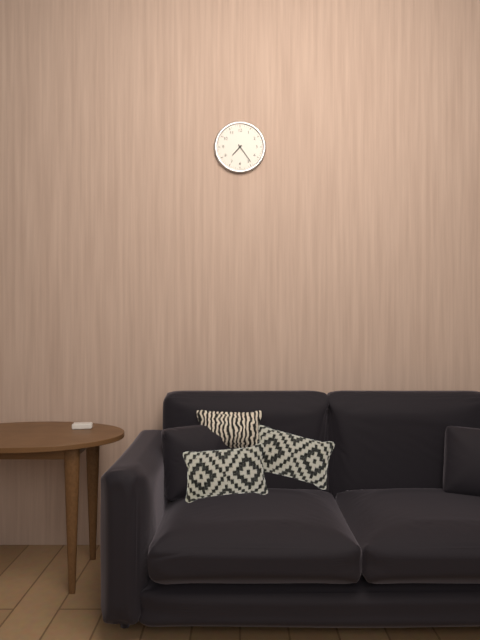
7:24
